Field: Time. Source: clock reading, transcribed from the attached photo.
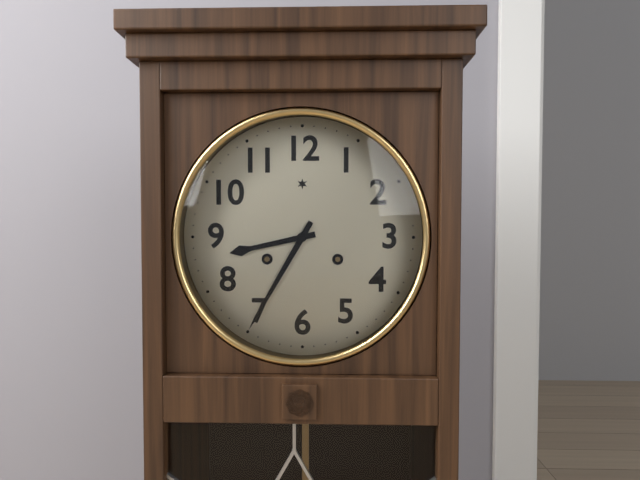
8:35
